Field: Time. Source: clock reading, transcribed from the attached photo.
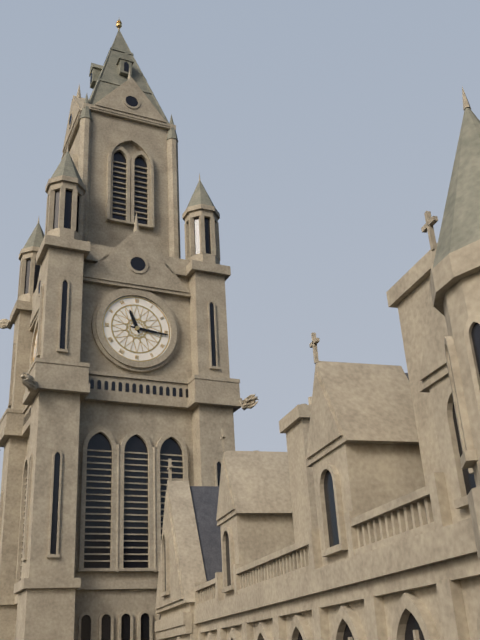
11:16
